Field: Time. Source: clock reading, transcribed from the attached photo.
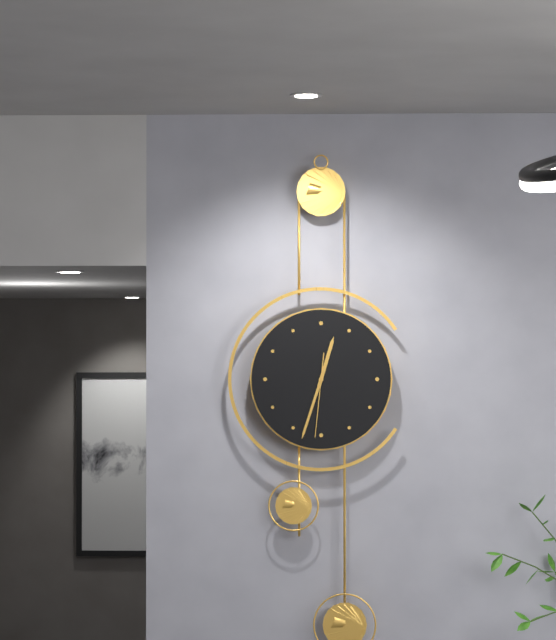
12:33:31
